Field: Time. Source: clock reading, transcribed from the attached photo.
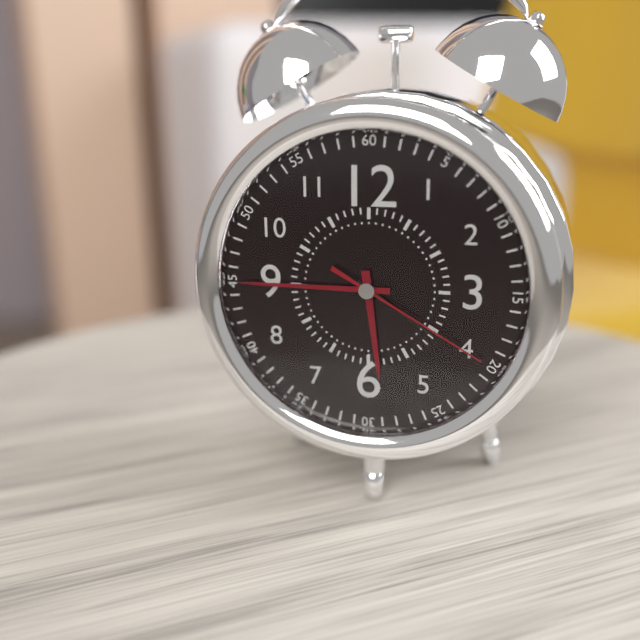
5:45:20
